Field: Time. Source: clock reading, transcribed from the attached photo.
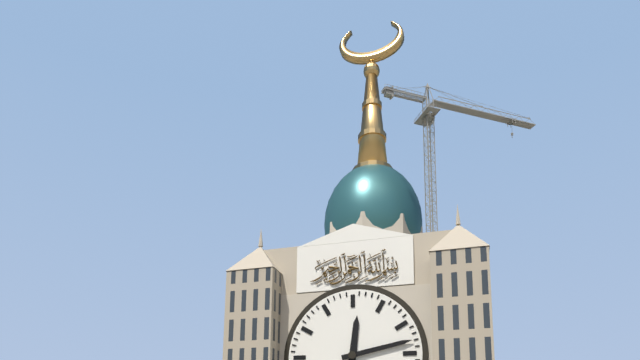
12:13
